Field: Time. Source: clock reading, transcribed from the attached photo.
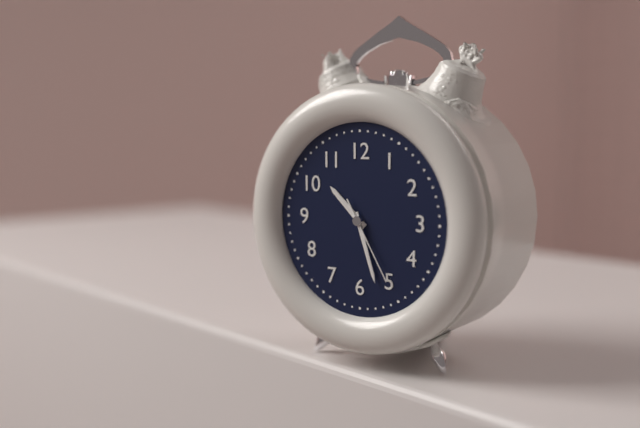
10:27:25
